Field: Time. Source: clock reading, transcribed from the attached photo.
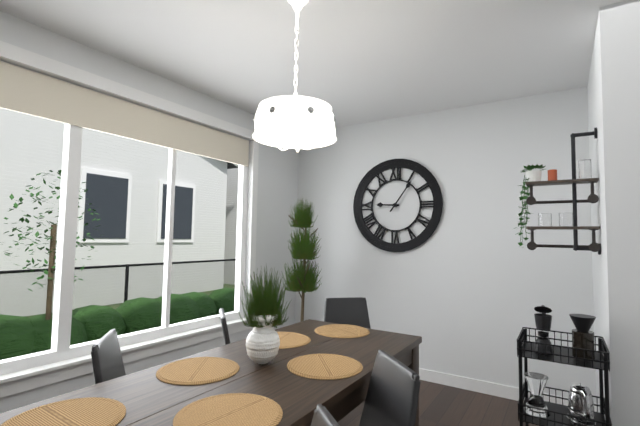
9:06
